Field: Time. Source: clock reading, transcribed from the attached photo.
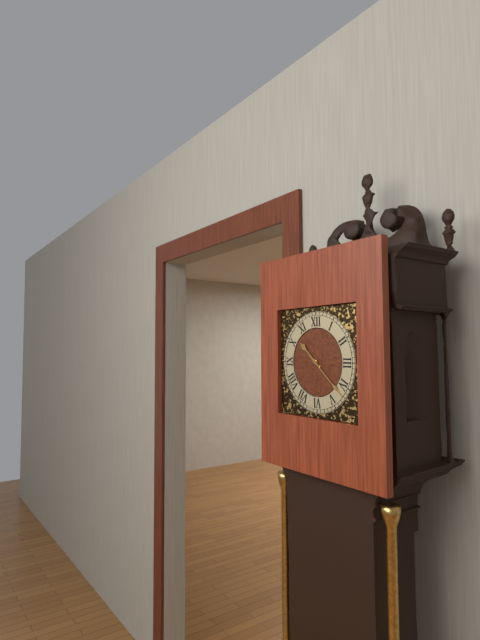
10:22
